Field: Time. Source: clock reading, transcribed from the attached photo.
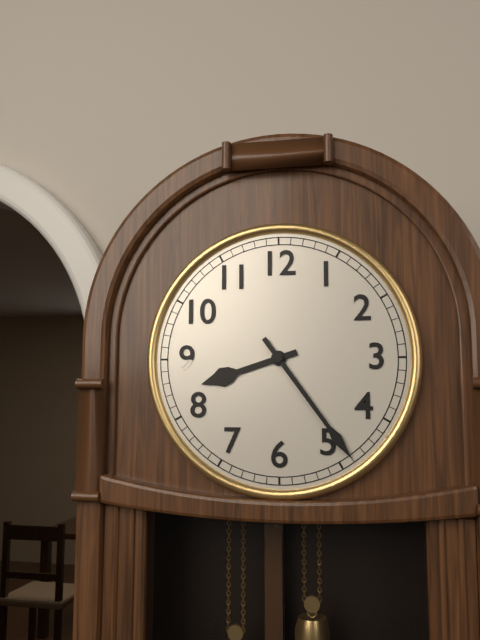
8:24
